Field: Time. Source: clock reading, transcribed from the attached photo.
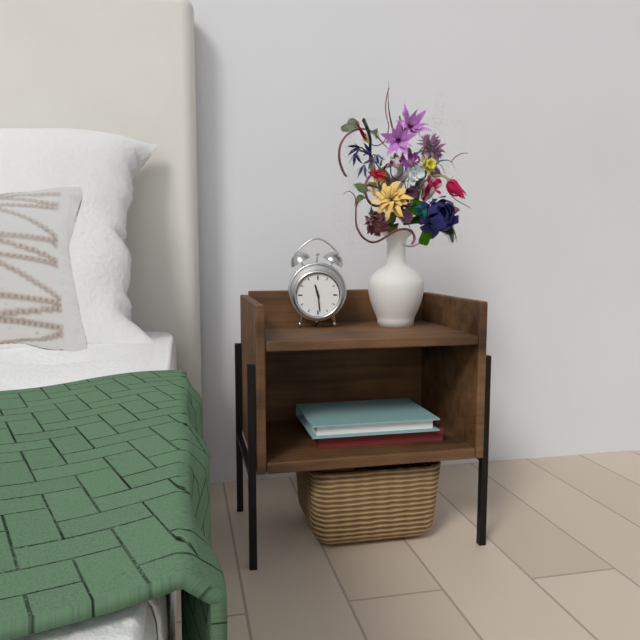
11:29
